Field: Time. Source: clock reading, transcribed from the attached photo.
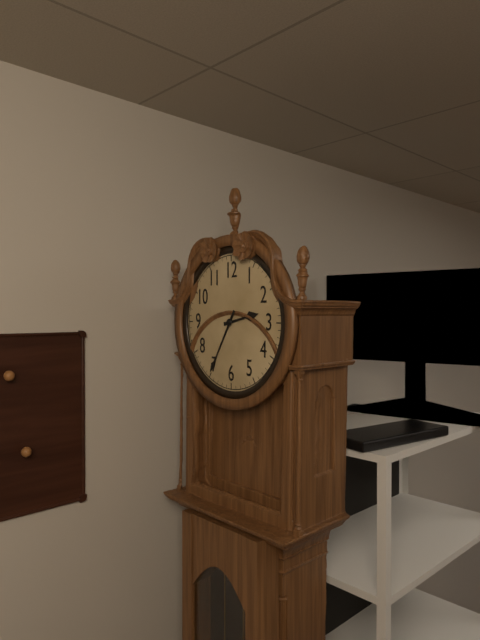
2:35
